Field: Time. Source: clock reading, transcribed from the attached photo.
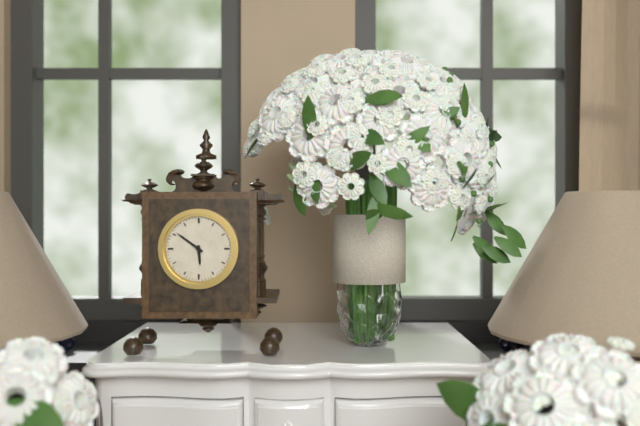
5:51
